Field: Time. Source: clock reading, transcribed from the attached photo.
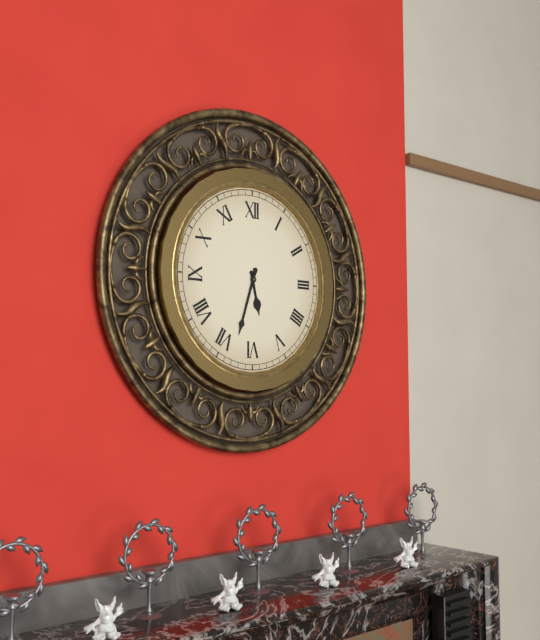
5:33
